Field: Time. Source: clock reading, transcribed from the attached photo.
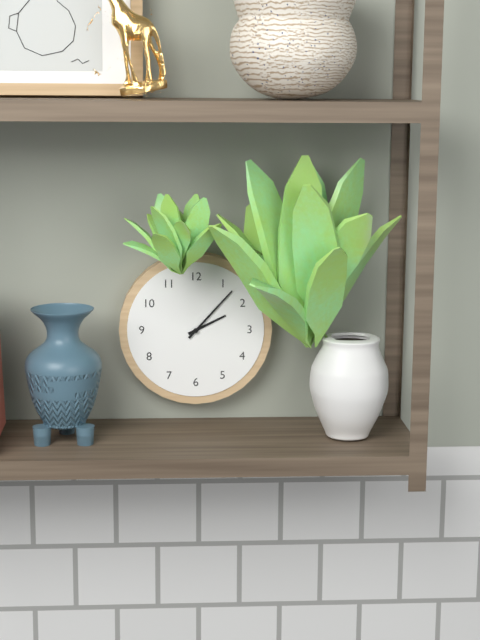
2:07
